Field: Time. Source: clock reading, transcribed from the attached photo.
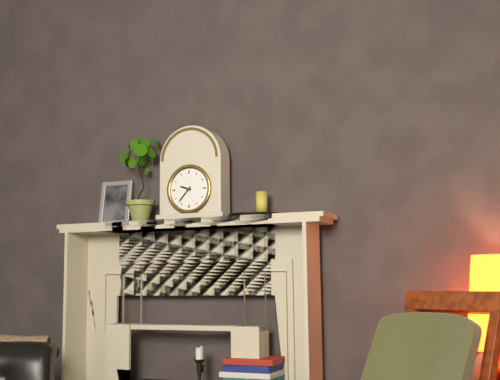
9:37
